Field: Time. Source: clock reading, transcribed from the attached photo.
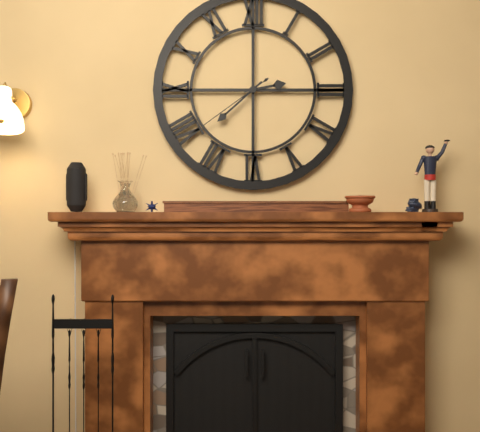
2:38:39
